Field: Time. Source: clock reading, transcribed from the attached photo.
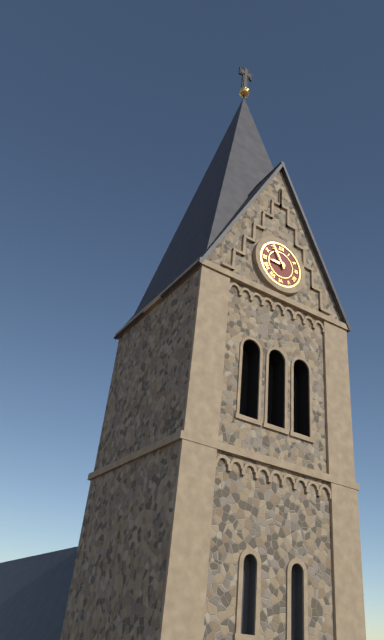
8:55
